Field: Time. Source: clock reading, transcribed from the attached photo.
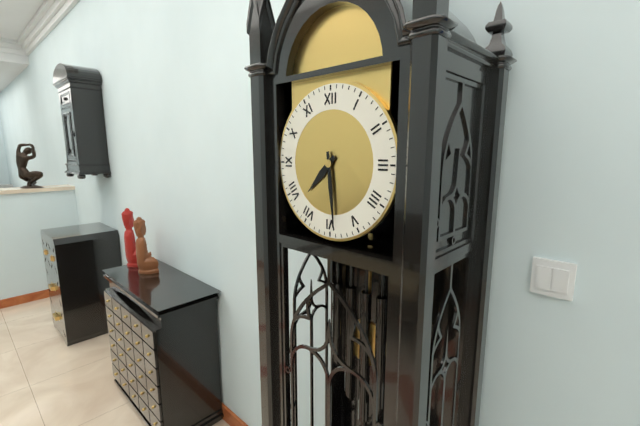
7:29
